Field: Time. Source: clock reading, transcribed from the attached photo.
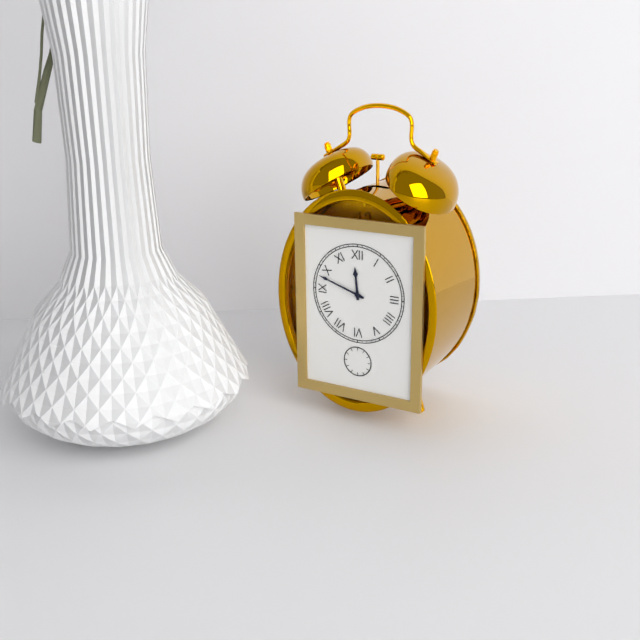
11:48
